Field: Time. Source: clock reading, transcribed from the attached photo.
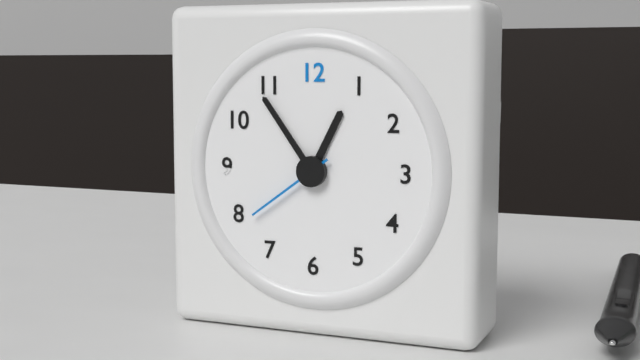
12:54:39
